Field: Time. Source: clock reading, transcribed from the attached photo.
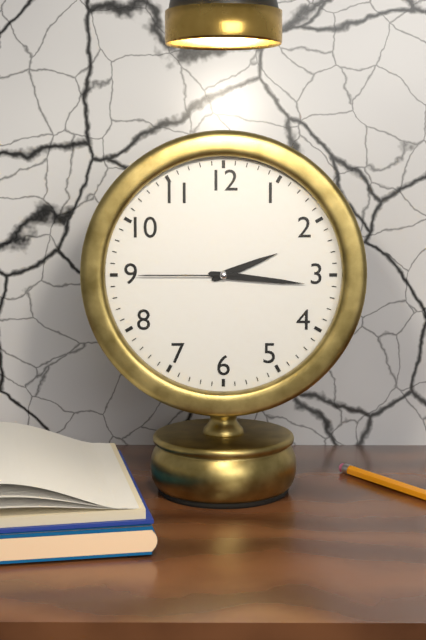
2:16:45
